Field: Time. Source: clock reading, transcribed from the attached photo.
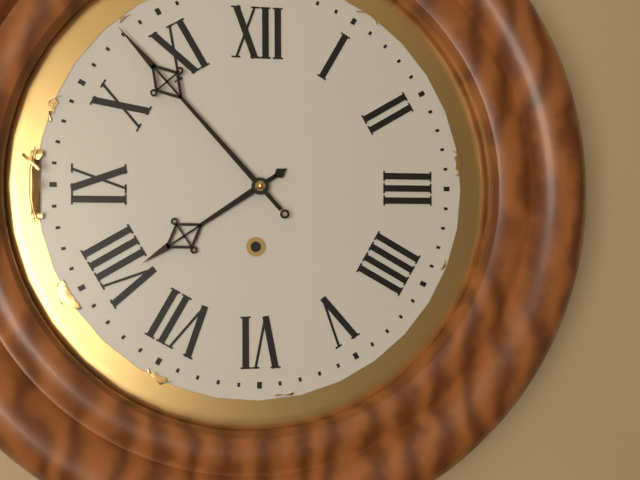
7:53
